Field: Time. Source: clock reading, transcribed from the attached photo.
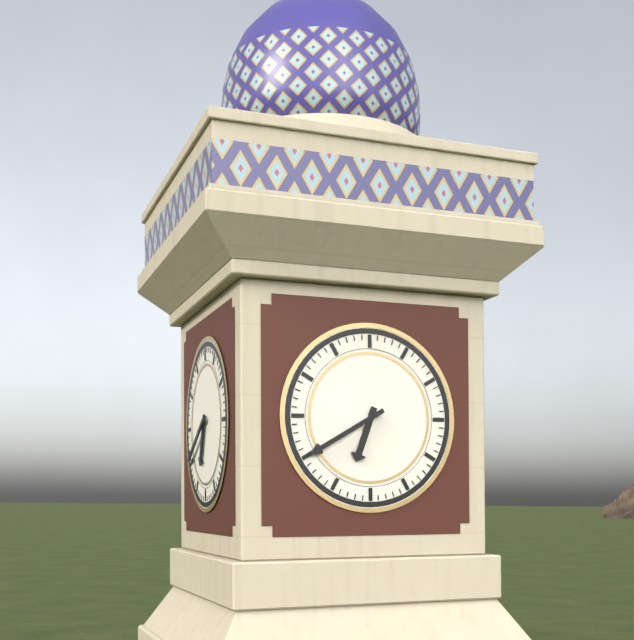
6:40
